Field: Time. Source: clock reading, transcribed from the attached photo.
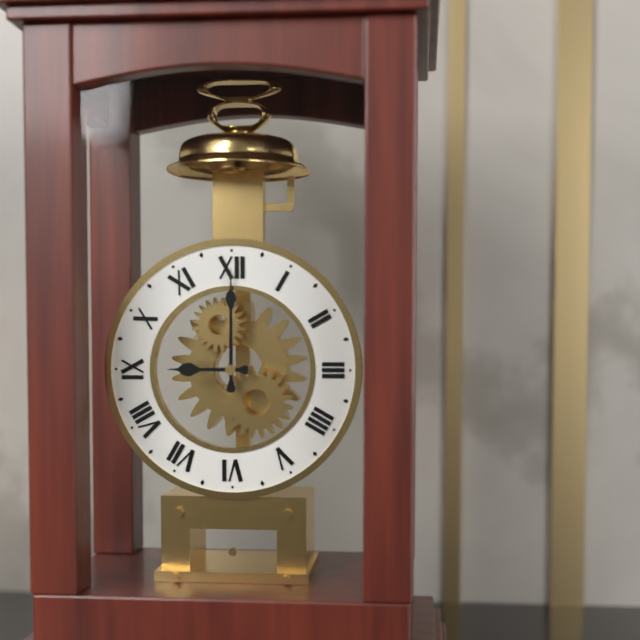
9:00
